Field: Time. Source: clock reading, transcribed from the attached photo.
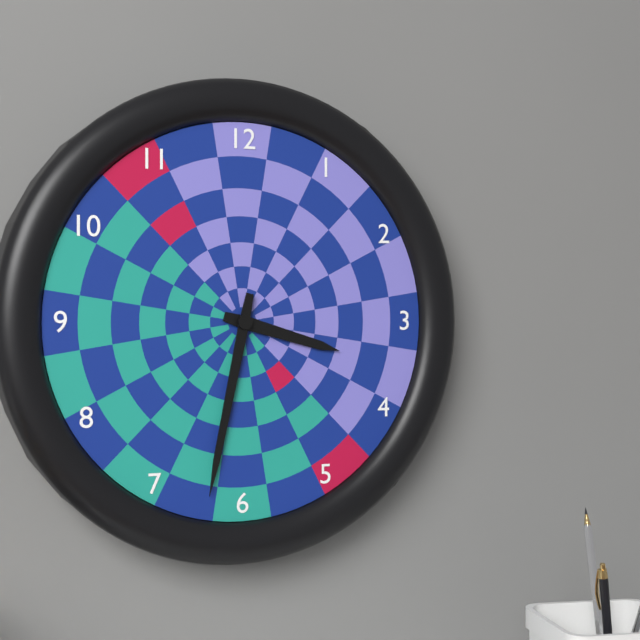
3:32
